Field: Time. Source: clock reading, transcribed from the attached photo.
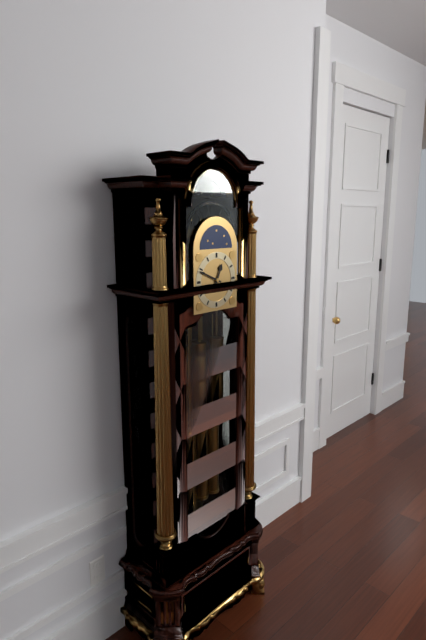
12:49
